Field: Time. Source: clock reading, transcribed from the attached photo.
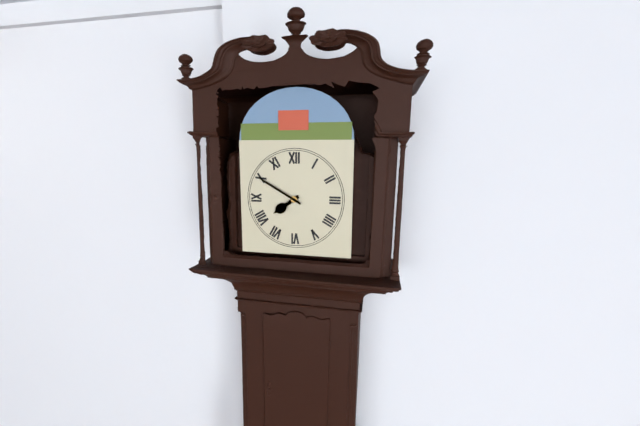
7:50
